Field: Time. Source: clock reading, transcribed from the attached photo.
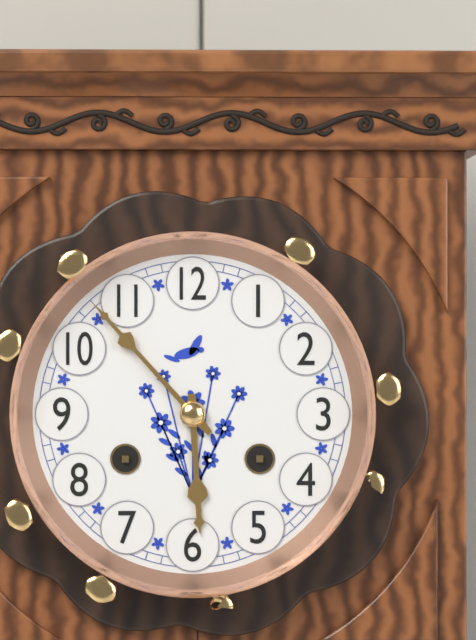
5:53
